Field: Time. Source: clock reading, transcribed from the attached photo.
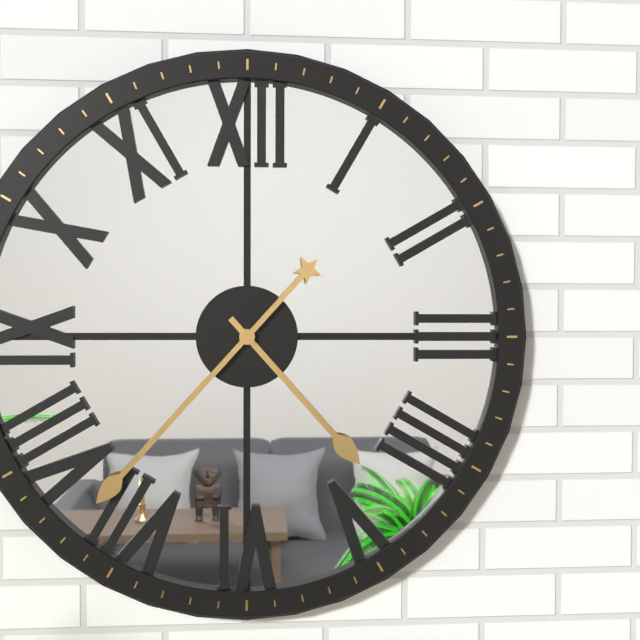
4:37
